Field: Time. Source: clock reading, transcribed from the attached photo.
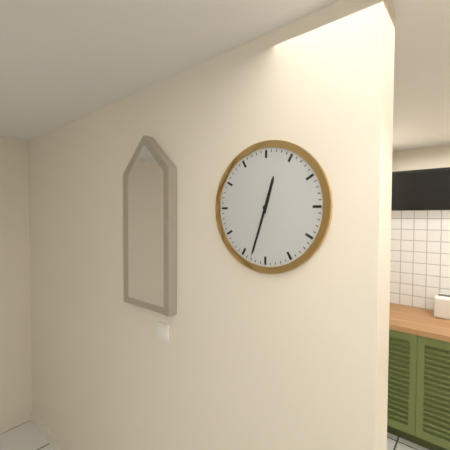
12:33
